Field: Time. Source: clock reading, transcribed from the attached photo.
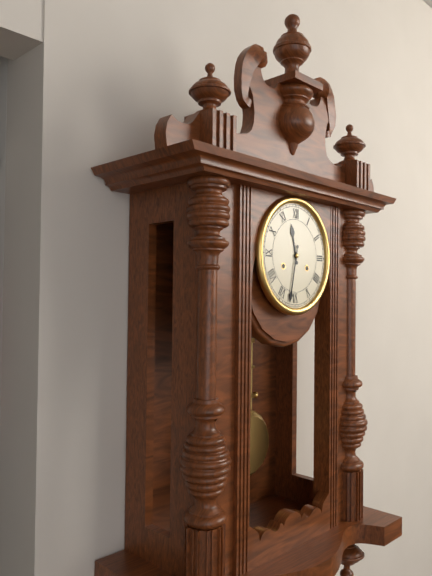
11:32
